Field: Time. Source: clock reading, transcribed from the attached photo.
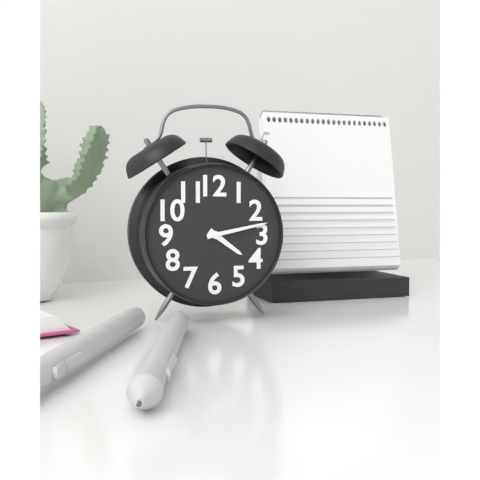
4:13
